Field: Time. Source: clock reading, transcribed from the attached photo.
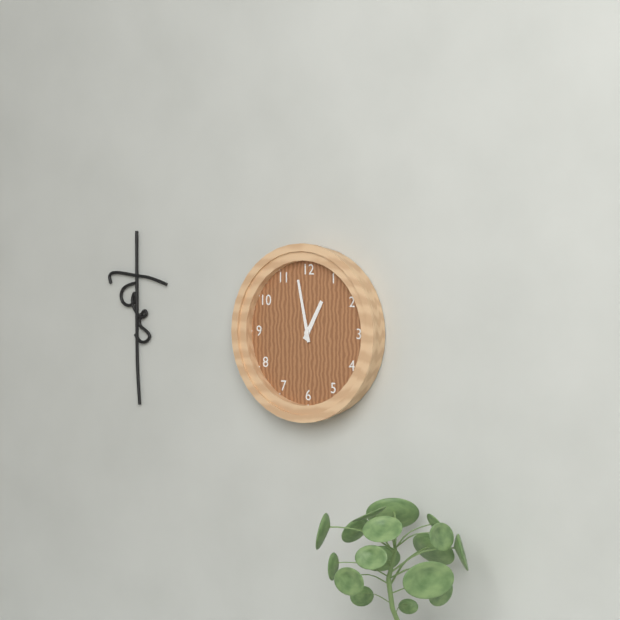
12:58
